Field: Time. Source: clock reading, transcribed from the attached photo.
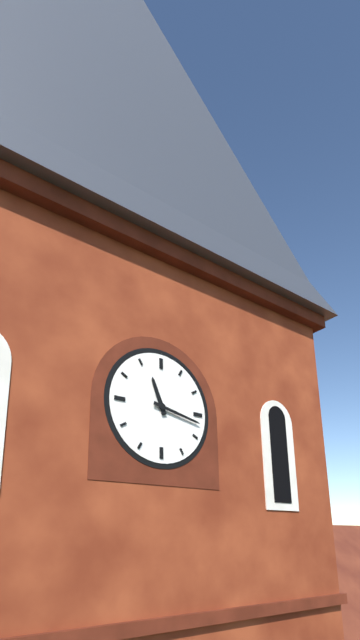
11:17
